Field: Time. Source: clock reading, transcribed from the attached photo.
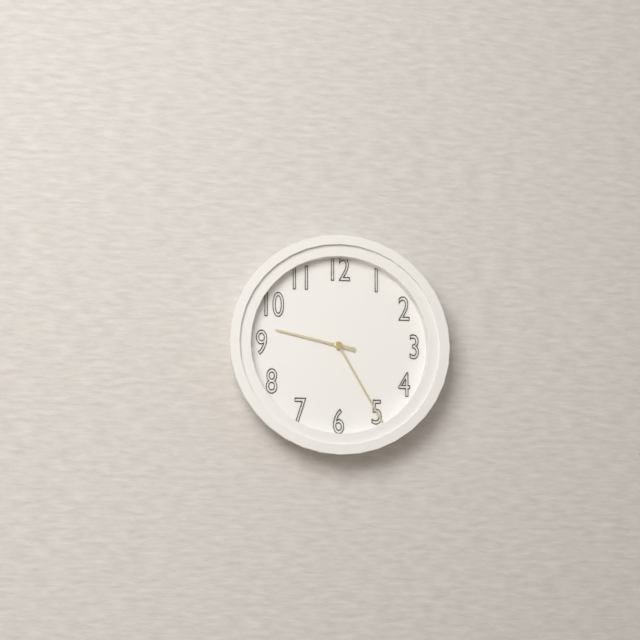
9:25
